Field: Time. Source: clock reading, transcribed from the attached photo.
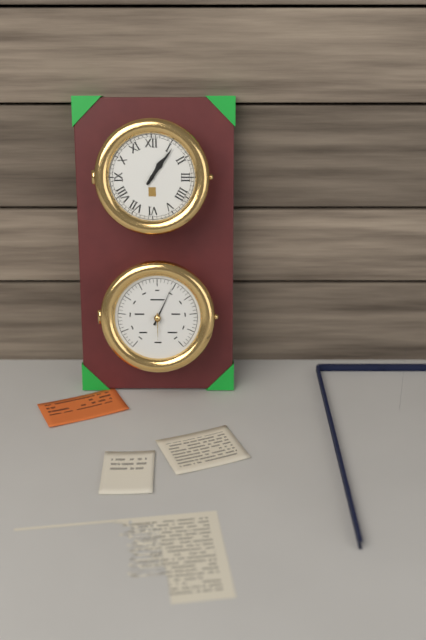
1:06
